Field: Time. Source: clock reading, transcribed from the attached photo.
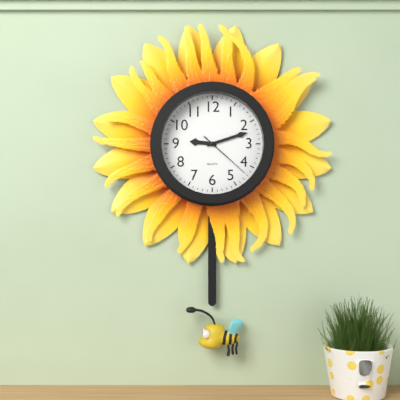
9:12:22
